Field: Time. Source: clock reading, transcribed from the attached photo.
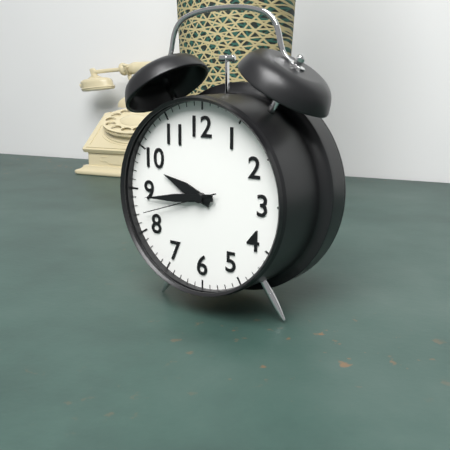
9:44:42
